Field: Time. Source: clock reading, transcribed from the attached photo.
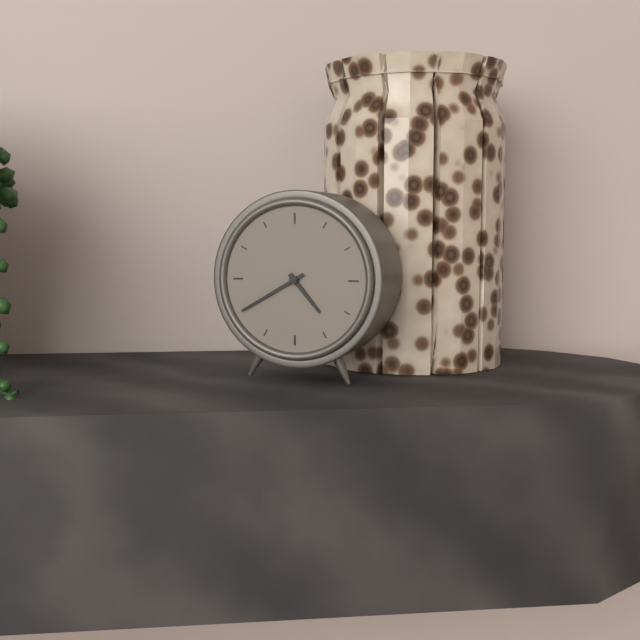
4:40
